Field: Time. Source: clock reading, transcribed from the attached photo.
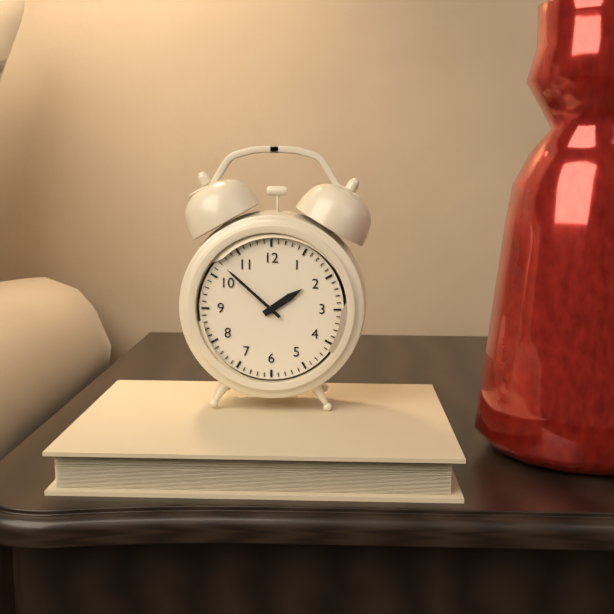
1:52
